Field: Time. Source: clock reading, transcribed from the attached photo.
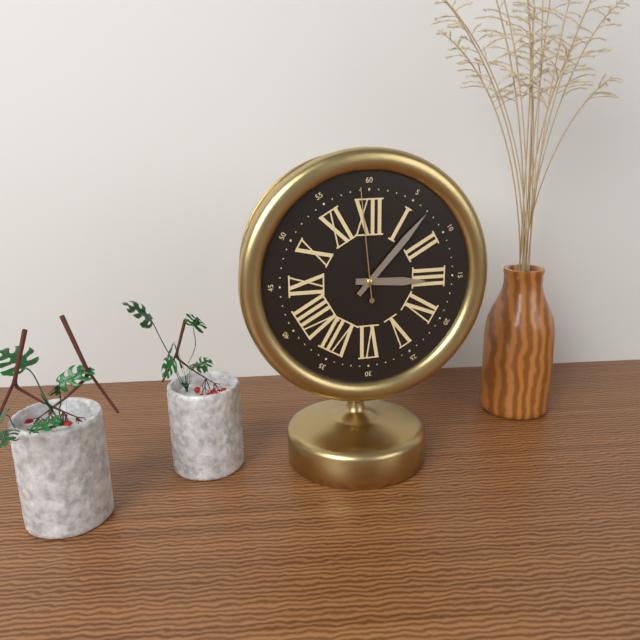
3:07:59
